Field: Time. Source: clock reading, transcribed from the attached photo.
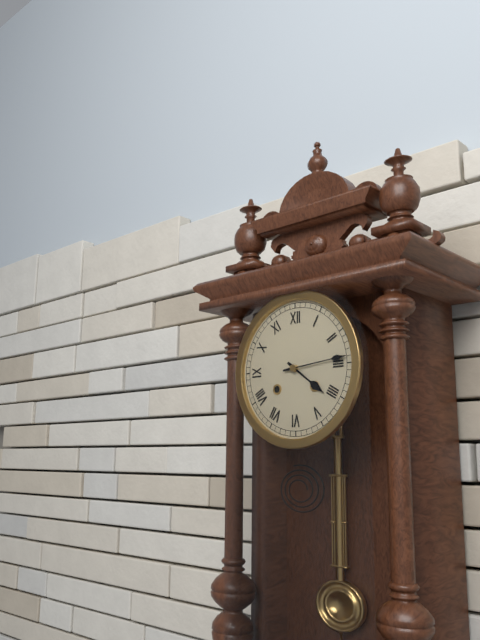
4:14
